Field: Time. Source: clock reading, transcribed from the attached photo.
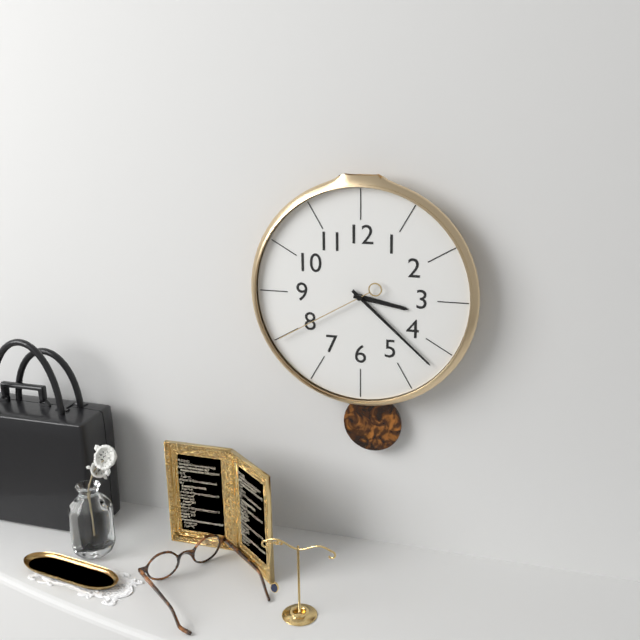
3:22:40
